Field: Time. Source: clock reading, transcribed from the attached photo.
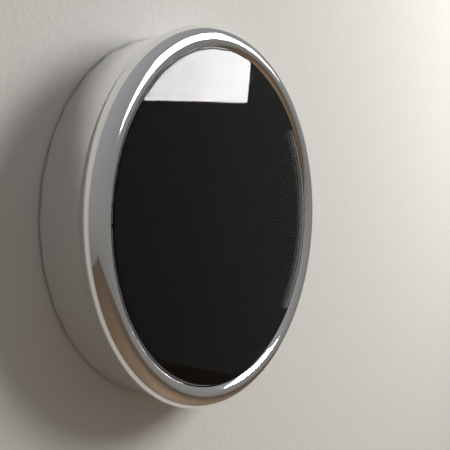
1:57
